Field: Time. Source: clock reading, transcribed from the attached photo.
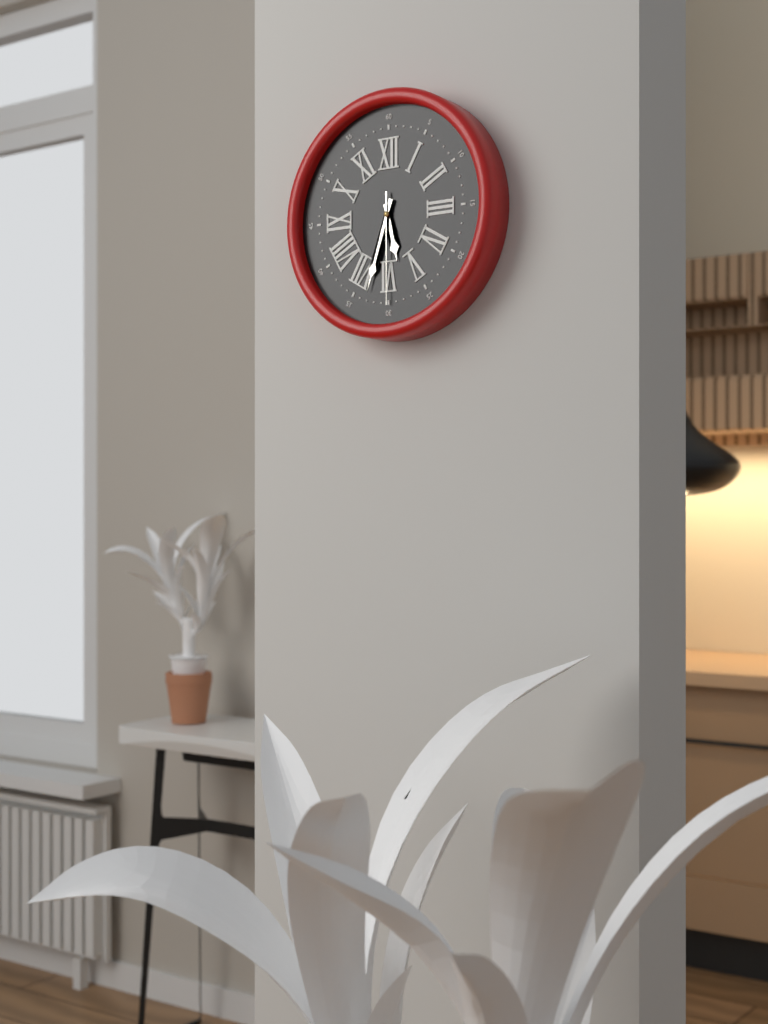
5:33:30
